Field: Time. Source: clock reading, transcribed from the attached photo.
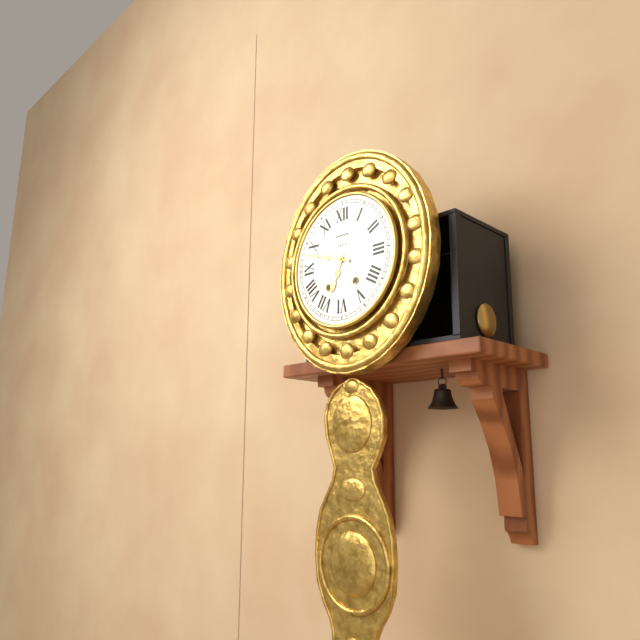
6:48
